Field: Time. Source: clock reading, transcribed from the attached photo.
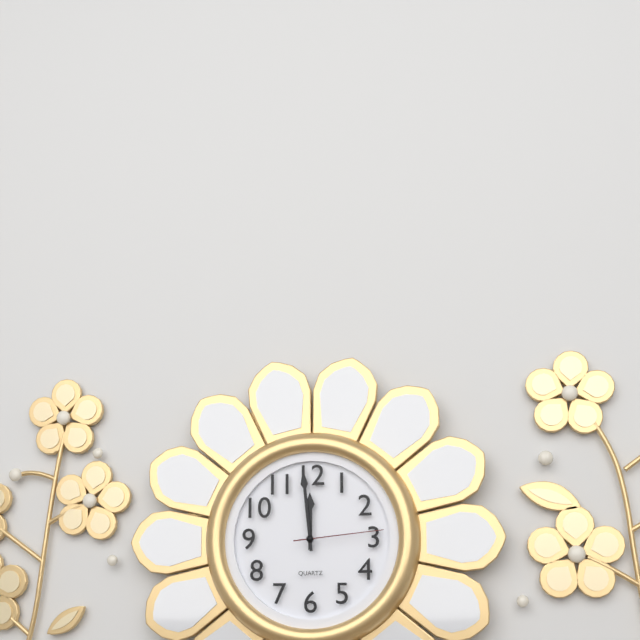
11:59:14
